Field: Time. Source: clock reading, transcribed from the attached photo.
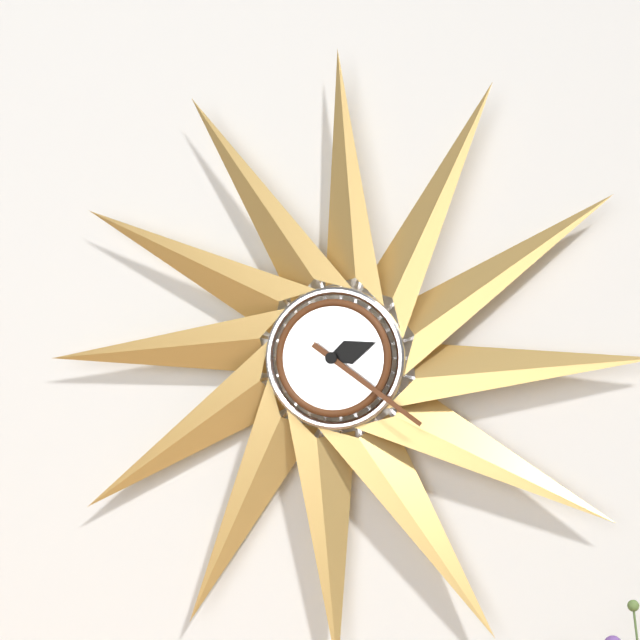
2:21
